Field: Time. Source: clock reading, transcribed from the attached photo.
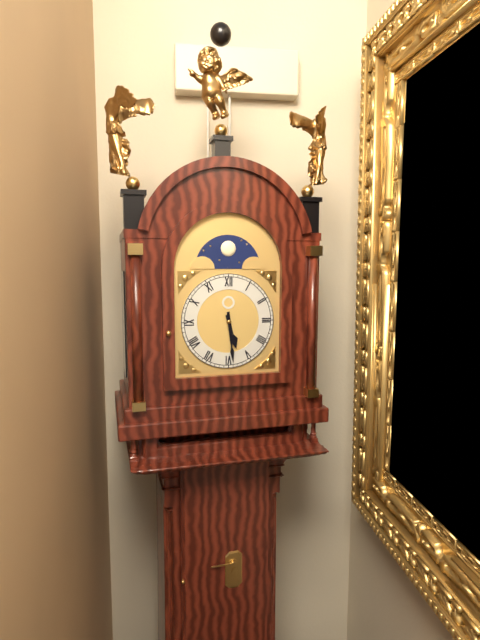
5:29
